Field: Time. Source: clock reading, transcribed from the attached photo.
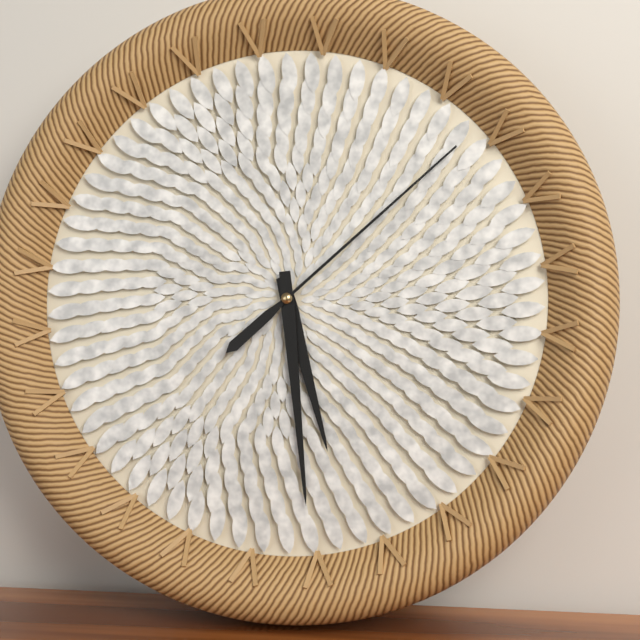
5:29:08
